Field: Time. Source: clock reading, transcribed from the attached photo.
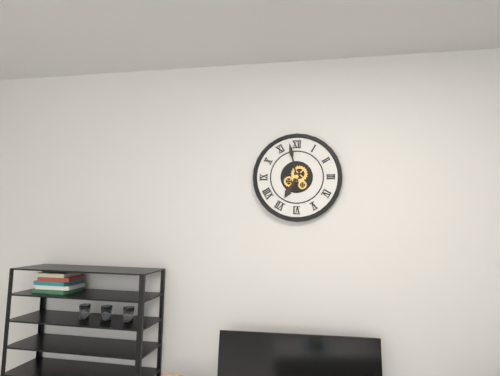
6:58
